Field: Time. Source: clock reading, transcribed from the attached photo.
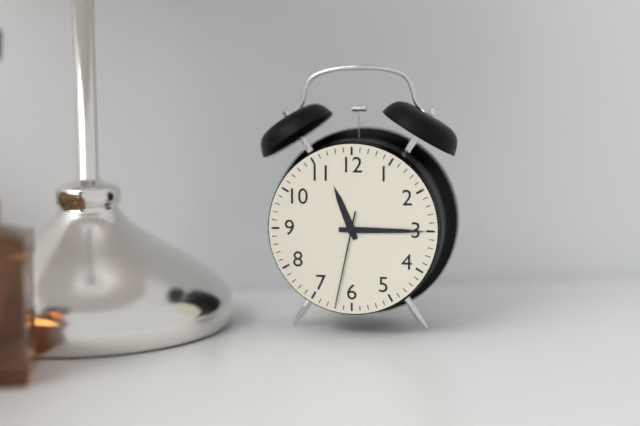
11:15:32
